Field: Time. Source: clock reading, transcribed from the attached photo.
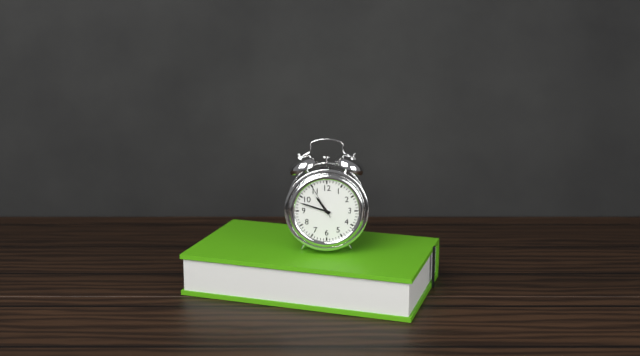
10:48
